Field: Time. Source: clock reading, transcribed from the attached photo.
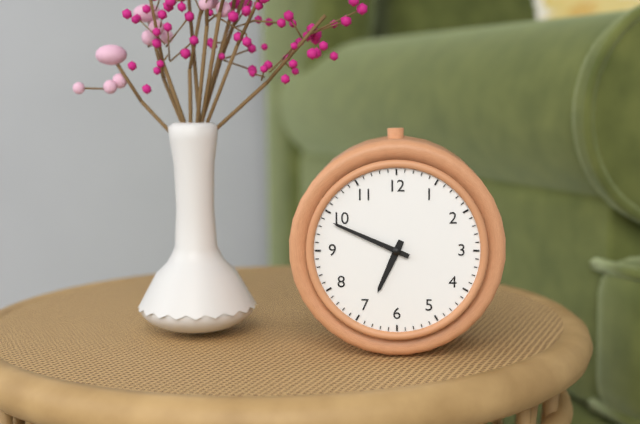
6:49
